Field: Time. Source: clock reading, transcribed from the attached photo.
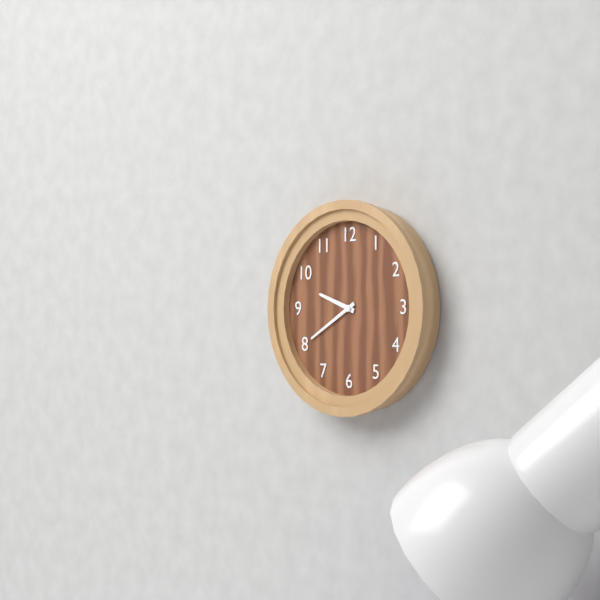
9:40
